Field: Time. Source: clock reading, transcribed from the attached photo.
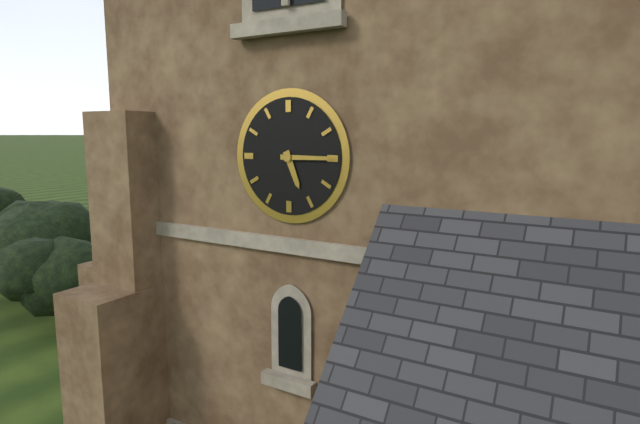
5:15
